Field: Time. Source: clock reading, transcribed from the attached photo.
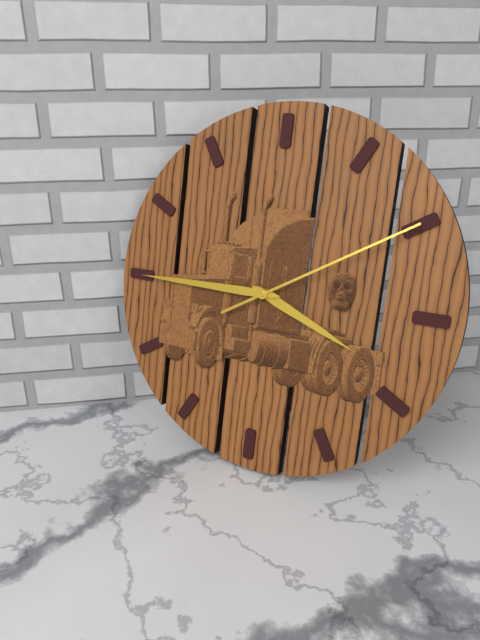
3:45:10
